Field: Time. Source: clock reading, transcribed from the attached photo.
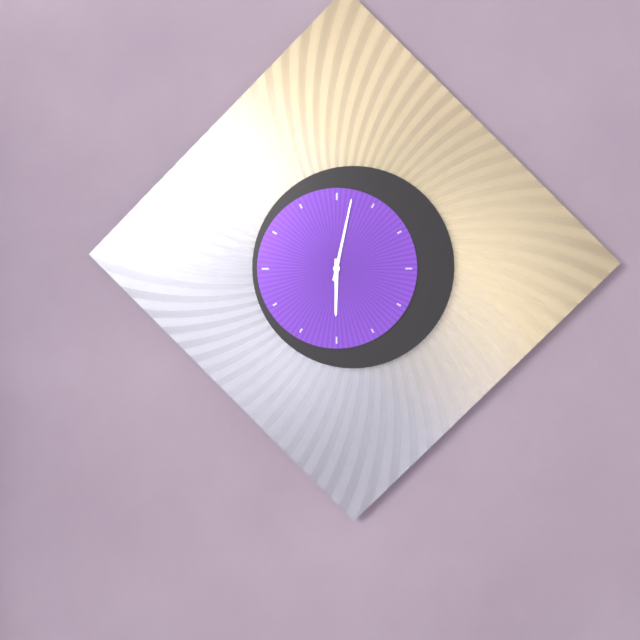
6:02
